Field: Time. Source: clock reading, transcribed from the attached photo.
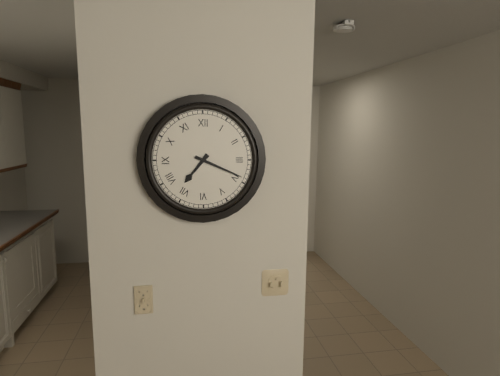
7:19
